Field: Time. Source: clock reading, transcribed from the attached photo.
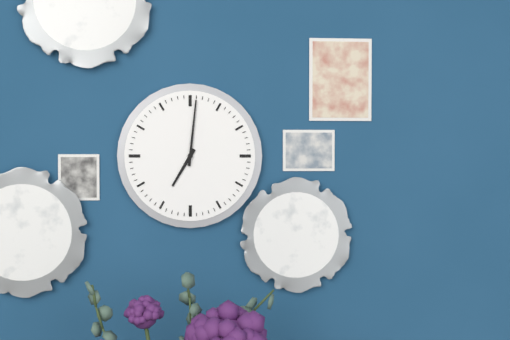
7:01
